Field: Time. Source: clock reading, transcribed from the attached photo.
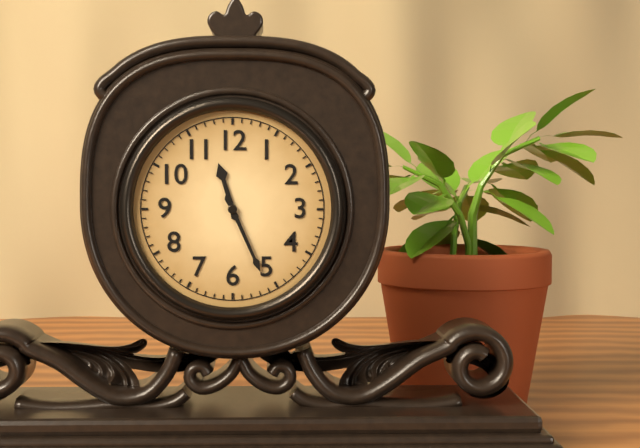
11:26
